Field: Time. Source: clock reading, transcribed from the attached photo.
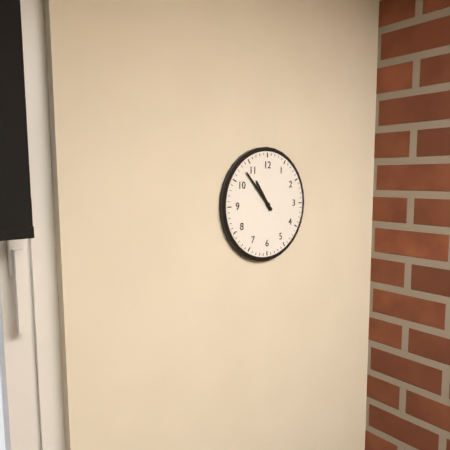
10:53
